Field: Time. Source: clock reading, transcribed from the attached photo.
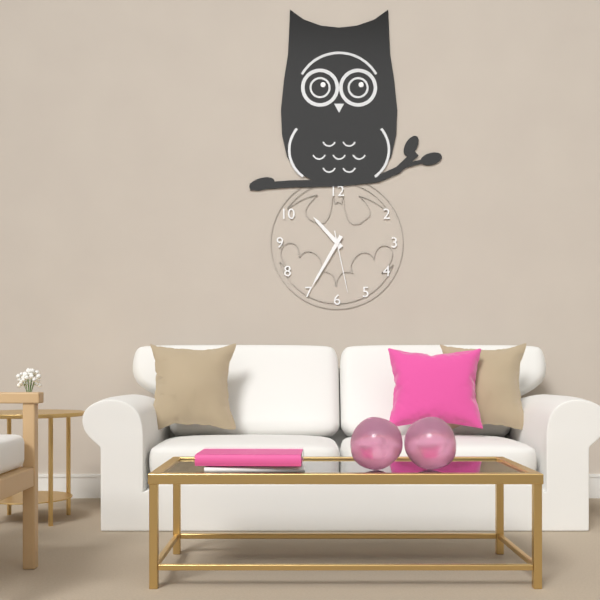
10:35:28
